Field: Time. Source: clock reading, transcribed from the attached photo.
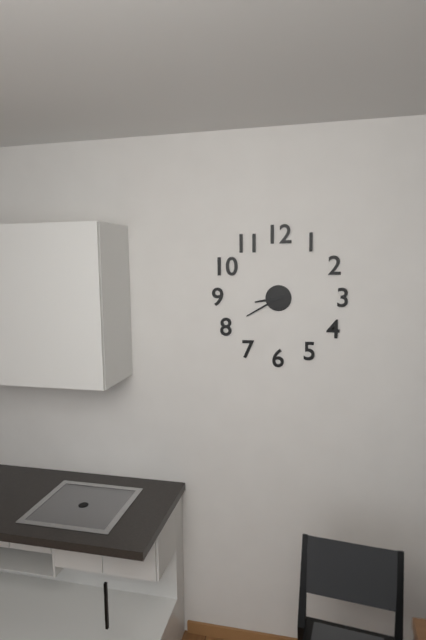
8:40
